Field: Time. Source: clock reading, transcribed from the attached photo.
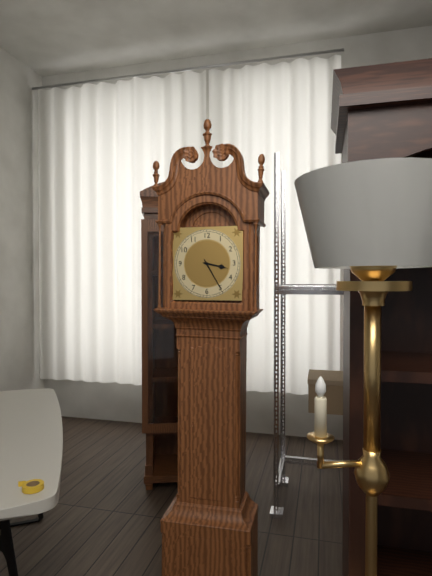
3:25
